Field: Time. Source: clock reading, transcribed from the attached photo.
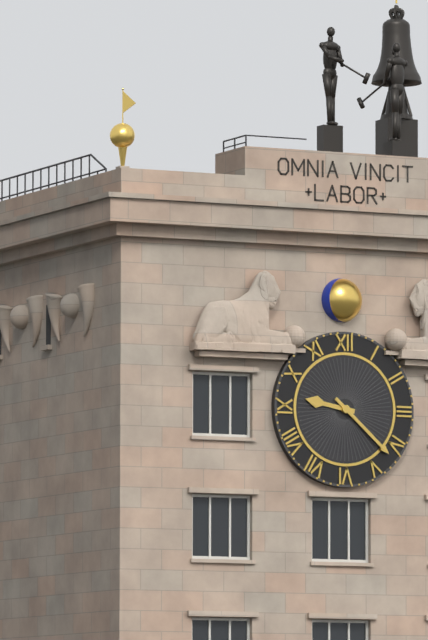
9:22
